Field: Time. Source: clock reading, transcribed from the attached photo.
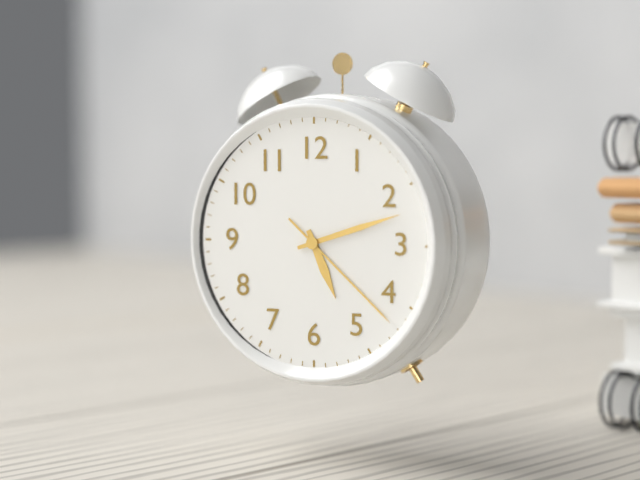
5:12:22
